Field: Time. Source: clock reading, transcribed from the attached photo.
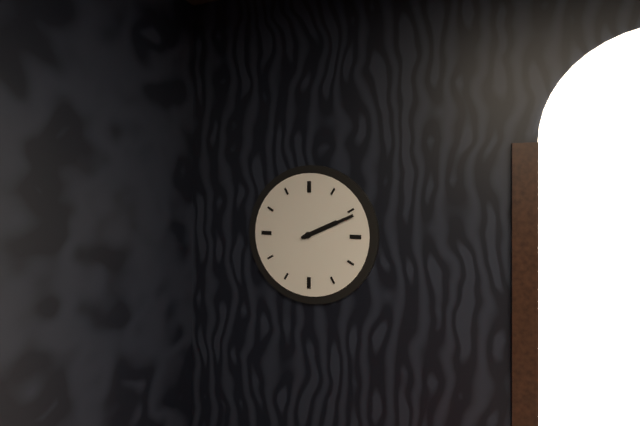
2:11
